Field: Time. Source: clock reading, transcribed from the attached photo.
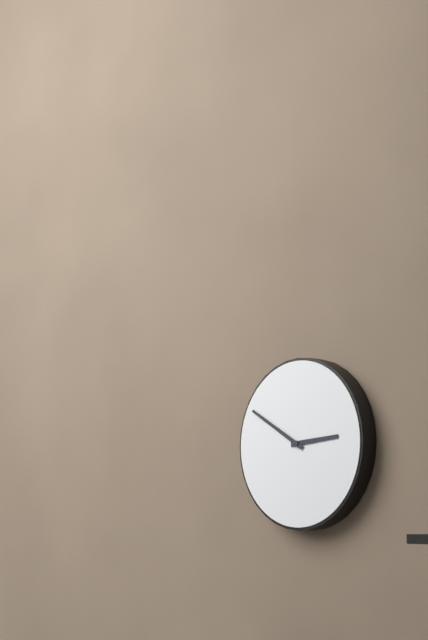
2:50
